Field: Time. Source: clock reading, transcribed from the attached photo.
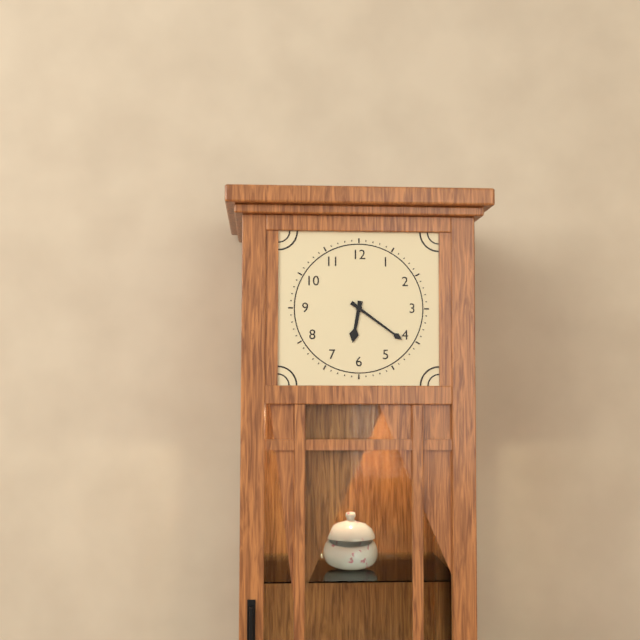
6:21
